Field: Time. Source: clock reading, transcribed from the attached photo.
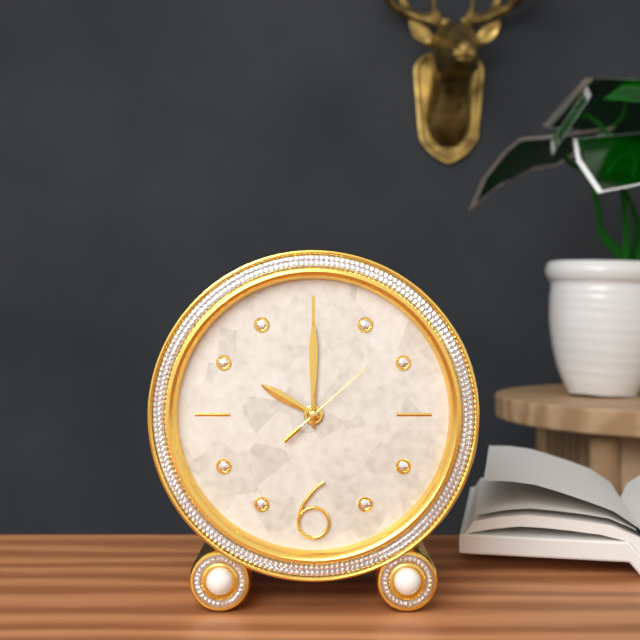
10:00:08
